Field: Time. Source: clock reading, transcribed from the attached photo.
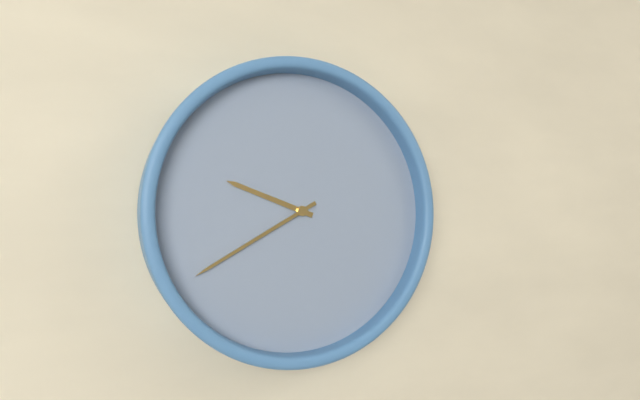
9:40
